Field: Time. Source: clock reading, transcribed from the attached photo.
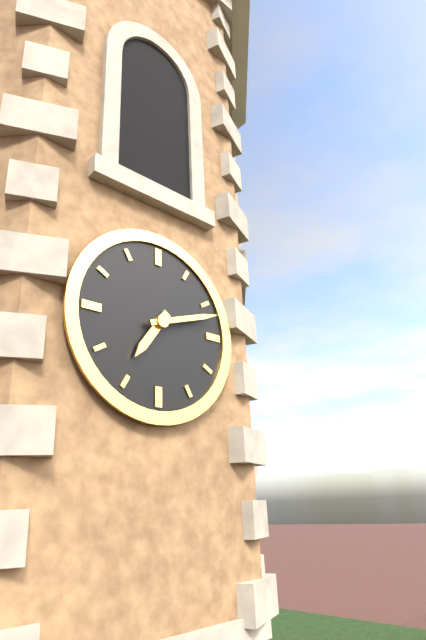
7:12
